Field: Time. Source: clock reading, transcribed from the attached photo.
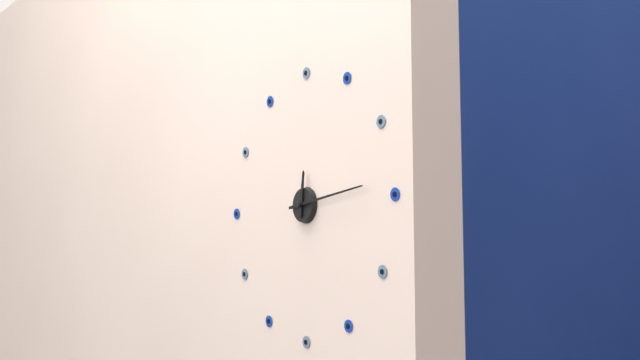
12:14
